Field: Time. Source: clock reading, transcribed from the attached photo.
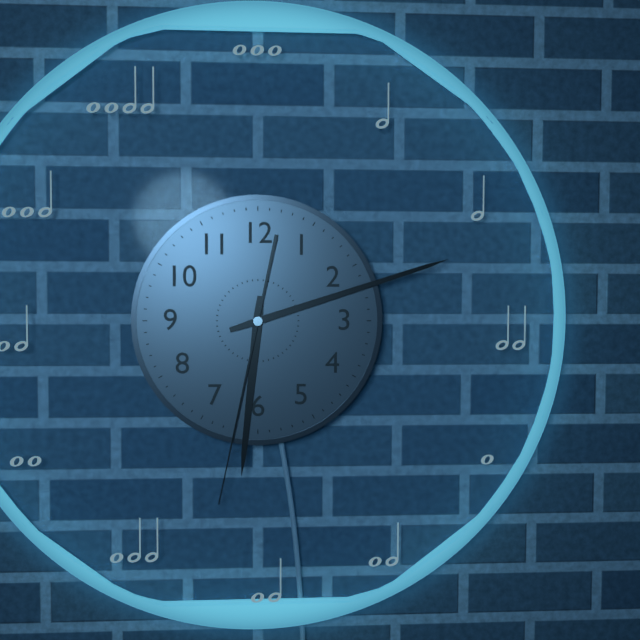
6:12:32
